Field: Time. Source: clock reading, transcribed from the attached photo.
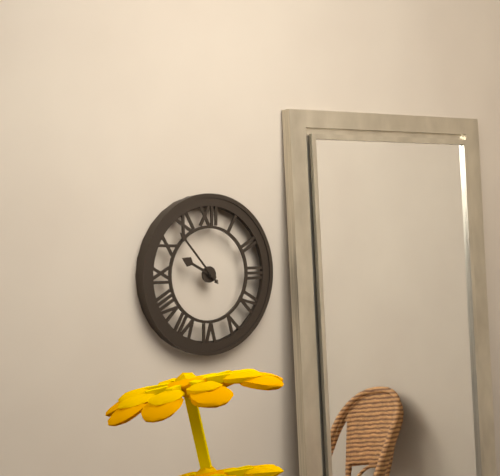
9:53
